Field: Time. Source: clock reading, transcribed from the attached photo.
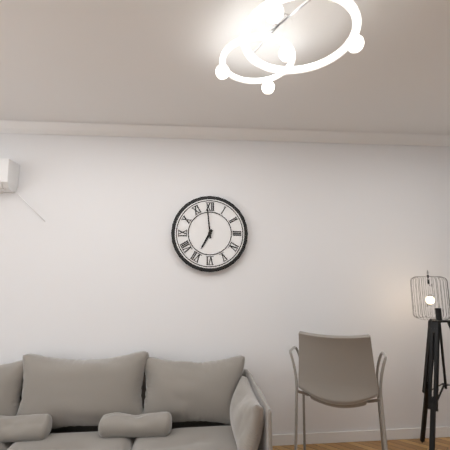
6:59
